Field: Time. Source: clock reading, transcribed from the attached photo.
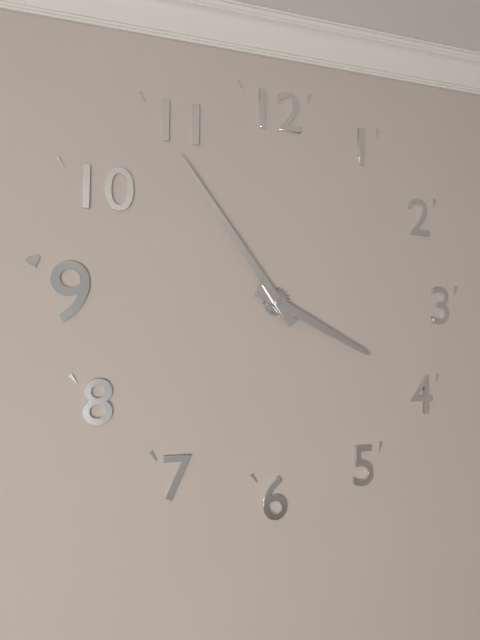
3:54
